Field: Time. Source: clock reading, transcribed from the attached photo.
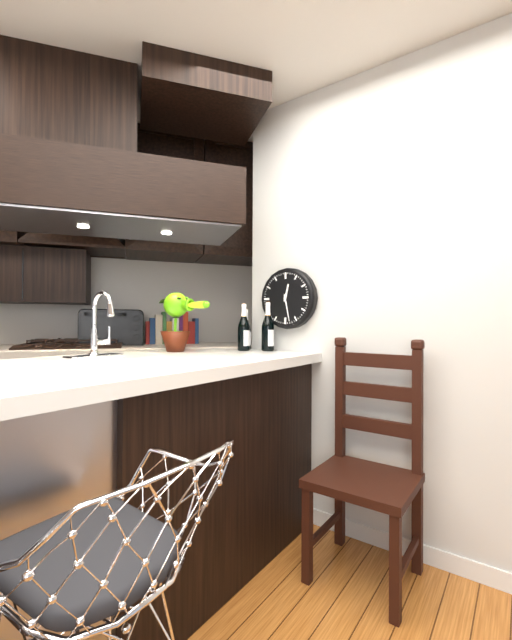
12:28
